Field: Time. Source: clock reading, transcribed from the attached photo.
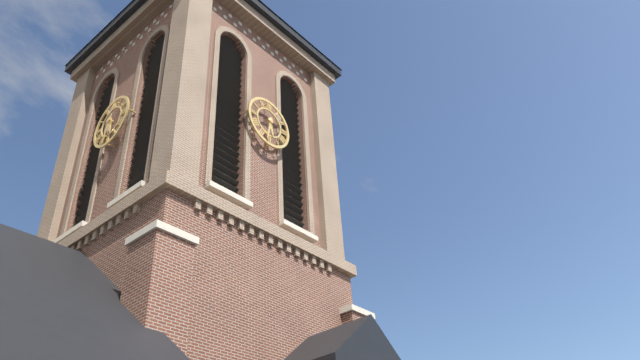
5:32
